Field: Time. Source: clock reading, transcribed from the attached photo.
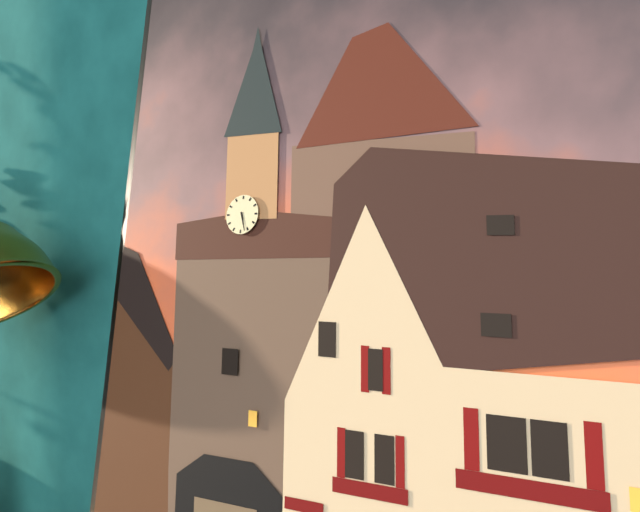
5:27
